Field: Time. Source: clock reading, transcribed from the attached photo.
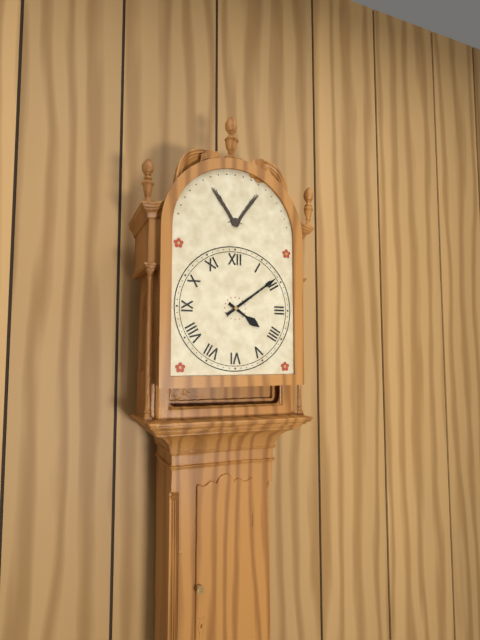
4:09
